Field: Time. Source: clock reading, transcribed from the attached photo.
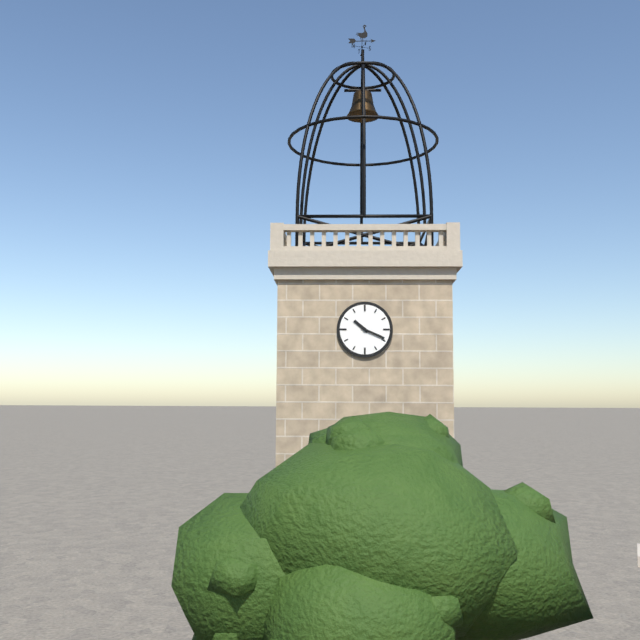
10:19
